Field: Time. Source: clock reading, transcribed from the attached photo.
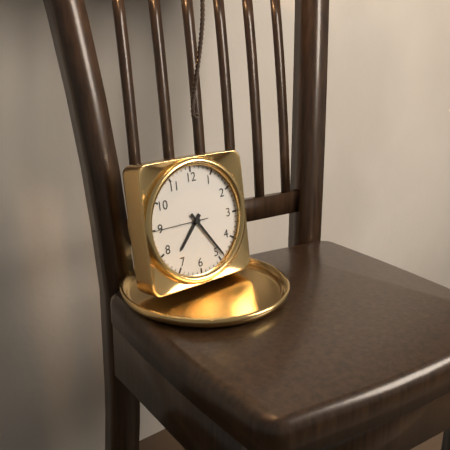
7:24:45
